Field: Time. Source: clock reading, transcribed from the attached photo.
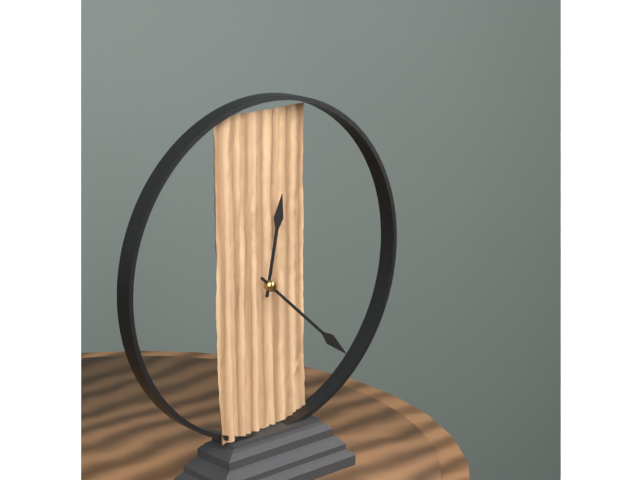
12:22
